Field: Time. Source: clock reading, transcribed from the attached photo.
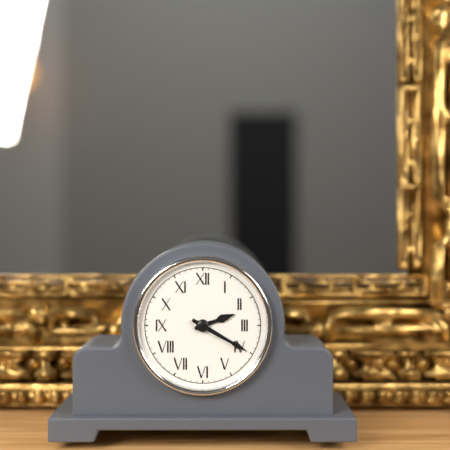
2:20
